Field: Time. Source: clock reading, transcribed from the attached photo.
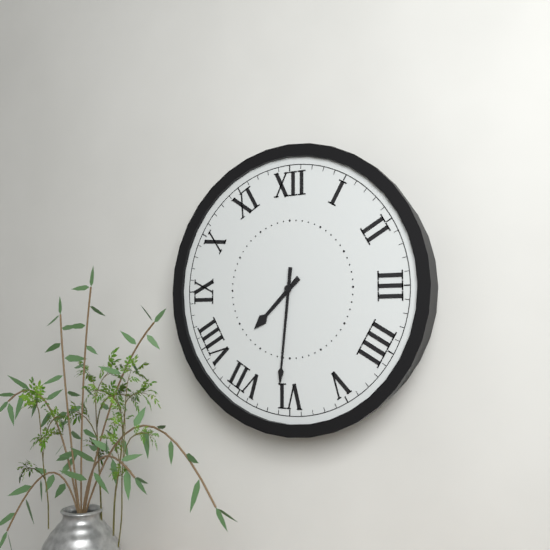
7:31
